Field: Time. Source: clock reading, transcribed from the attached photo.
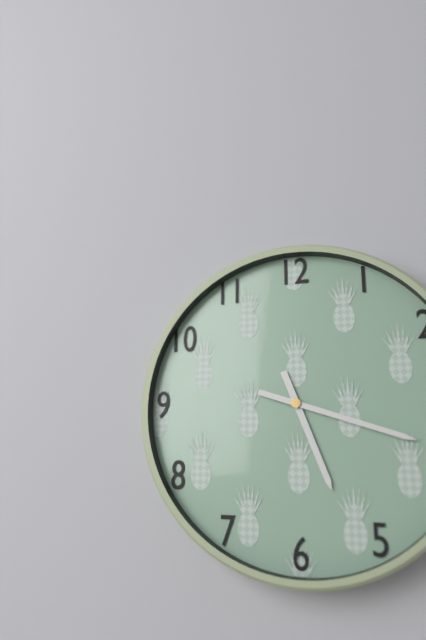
5:18
